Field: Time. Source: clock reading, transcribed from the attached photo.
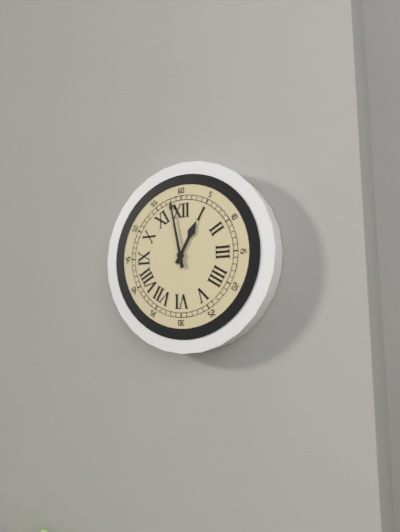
12:58
